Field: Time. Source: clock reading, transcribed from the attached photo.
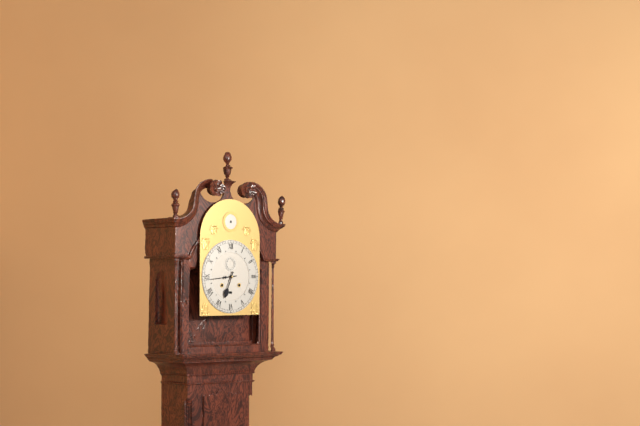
6:44
